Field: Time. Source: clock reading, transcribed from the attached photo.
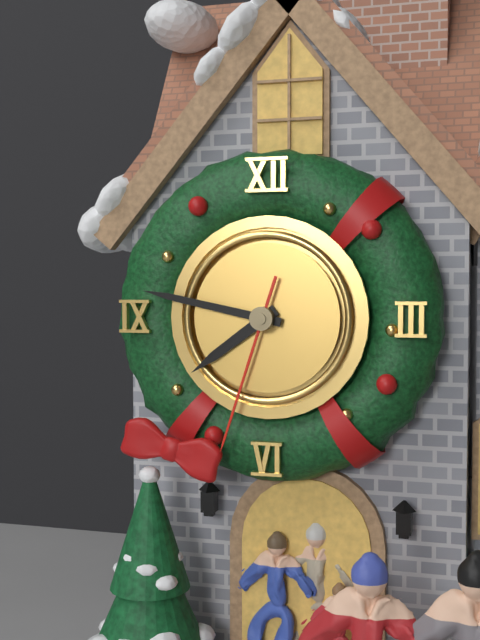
7:47:33
